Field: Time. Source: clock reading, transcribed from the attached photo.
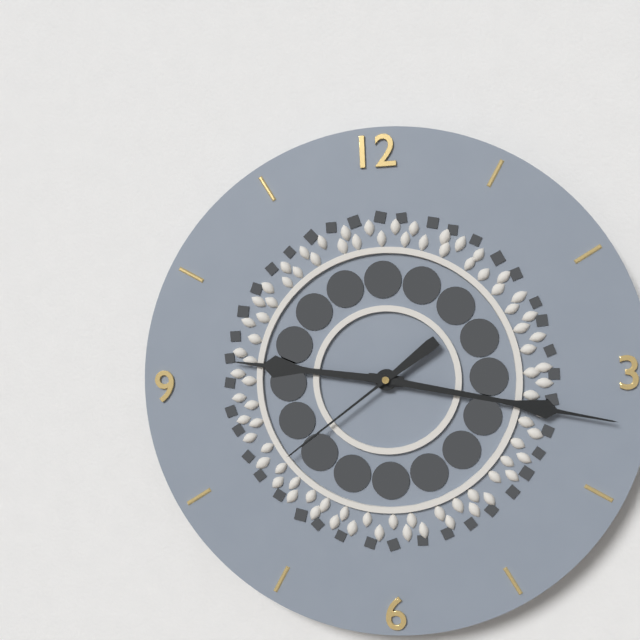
9:17:39
